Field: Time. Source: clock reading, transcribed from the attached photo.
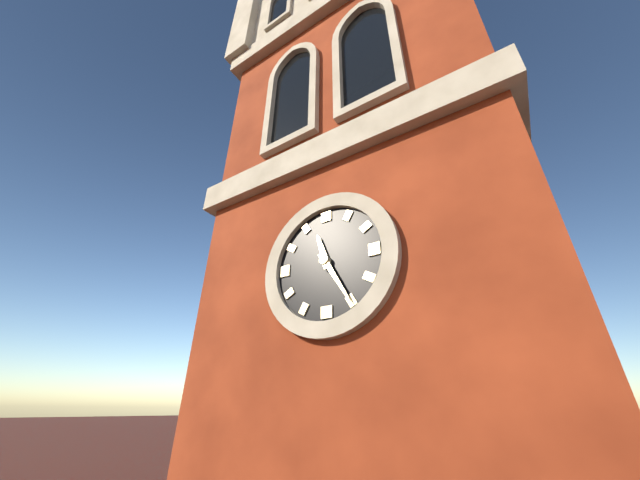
11:25
